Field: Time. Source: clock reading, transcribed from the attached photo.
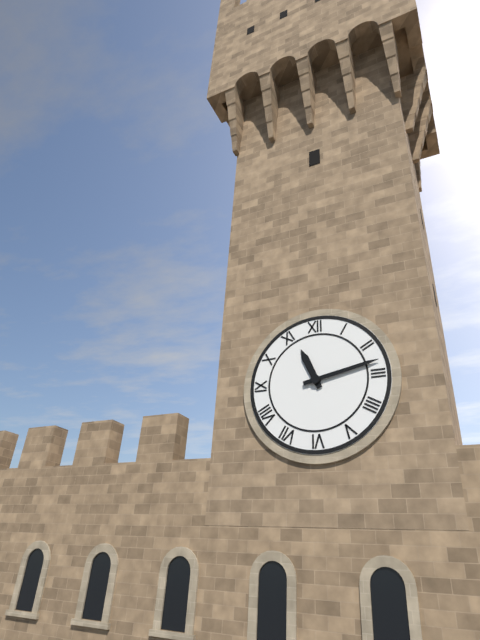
11:13
